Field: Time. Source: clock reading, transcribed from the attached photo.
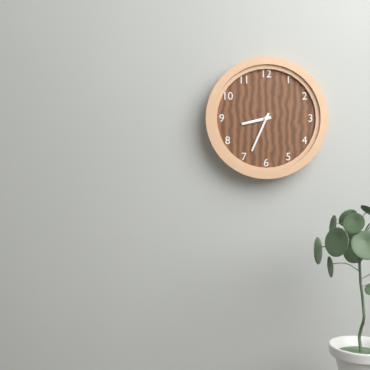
8:34
